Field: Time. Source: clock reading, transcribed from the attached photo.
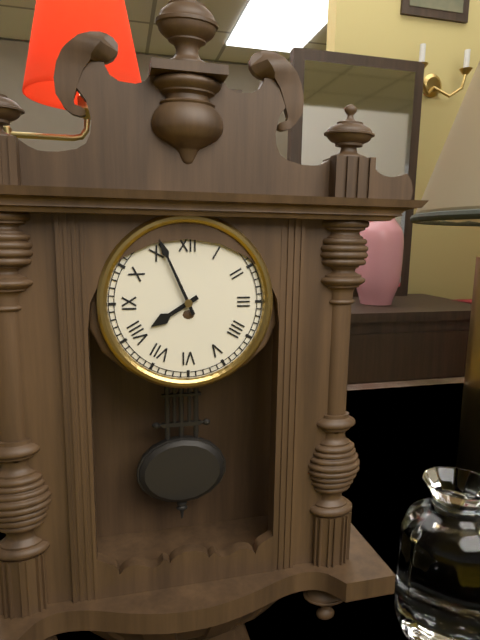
7:56
